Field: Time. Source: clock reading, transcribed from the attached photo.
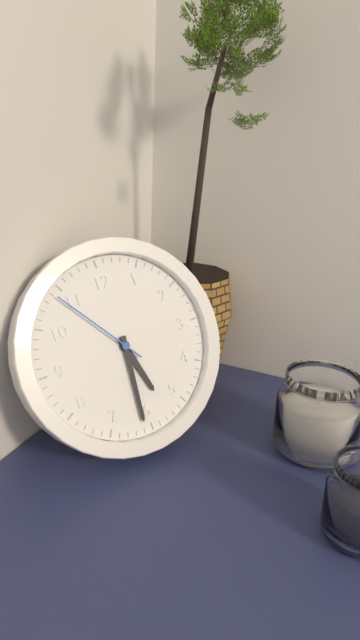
5:31:54
